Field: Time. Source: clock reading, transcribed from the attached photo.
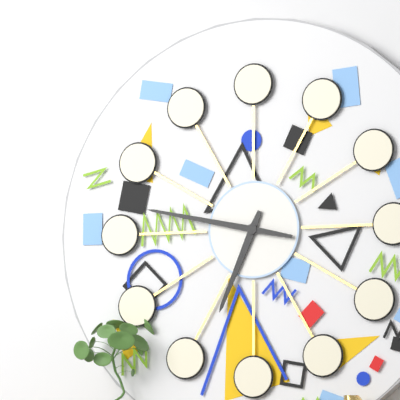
6:47
